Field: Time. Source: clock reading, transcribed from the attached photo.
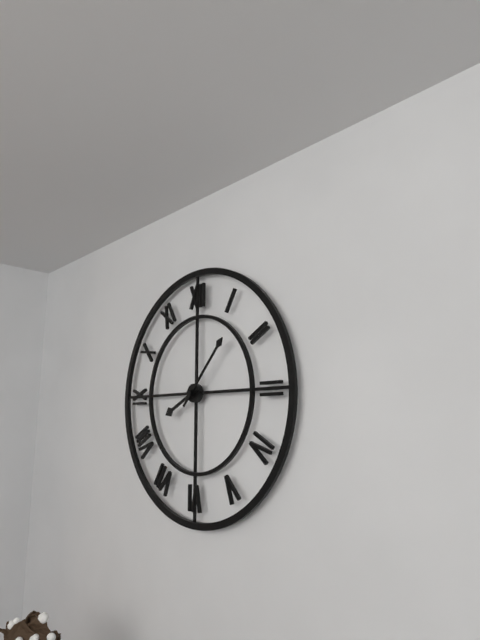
8:07
